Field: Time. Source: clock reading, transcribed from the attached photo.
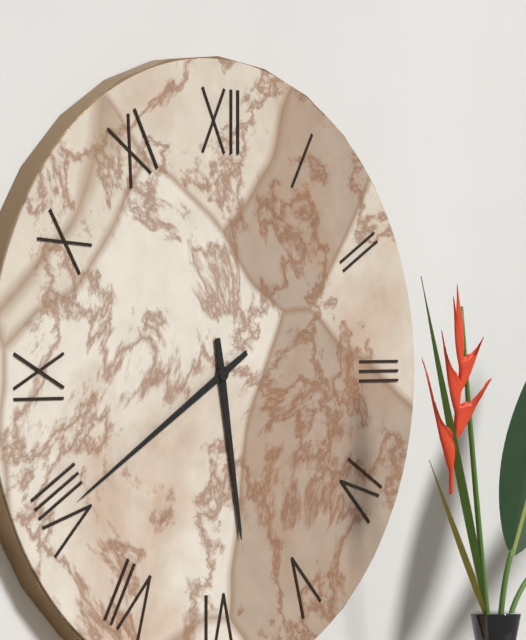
5:40
